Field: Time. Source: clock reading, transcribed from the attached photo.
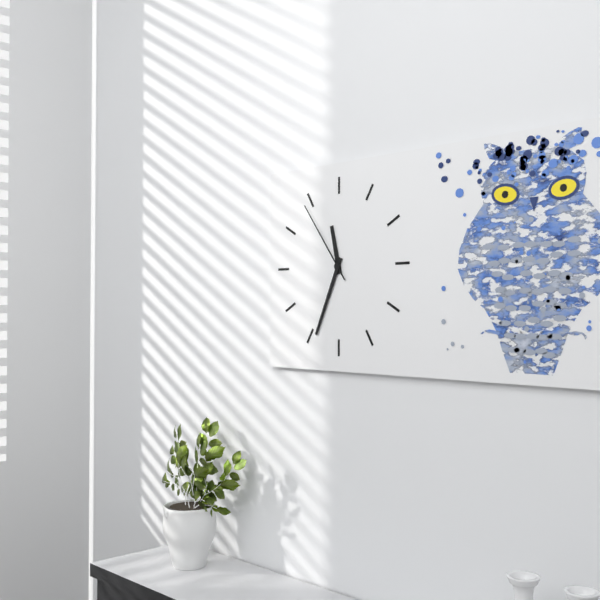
11:34:54
